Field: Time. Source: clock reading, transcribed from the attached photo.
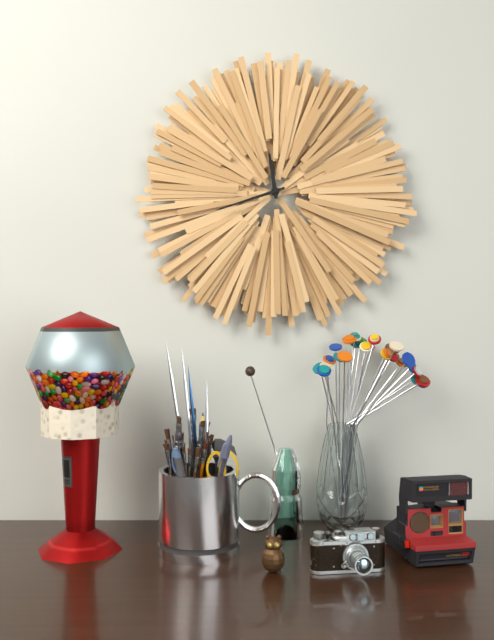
11:42
